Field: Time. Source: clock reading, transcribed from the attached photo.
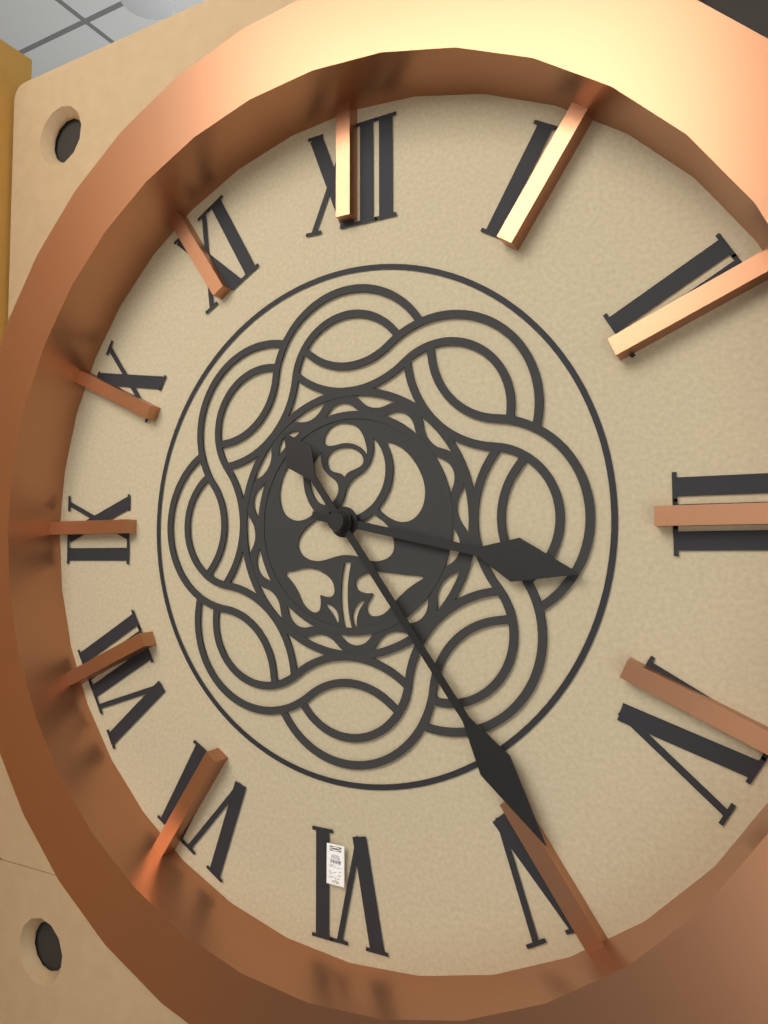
3:24
